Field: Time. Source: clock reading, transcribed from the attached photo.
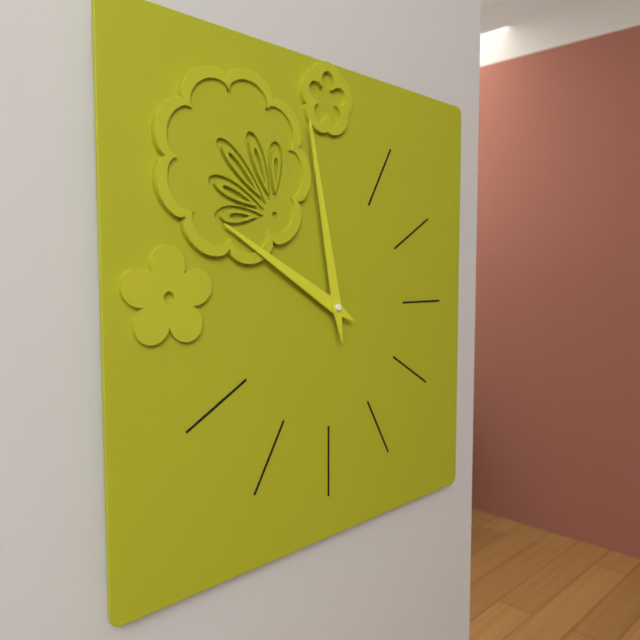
9:58
